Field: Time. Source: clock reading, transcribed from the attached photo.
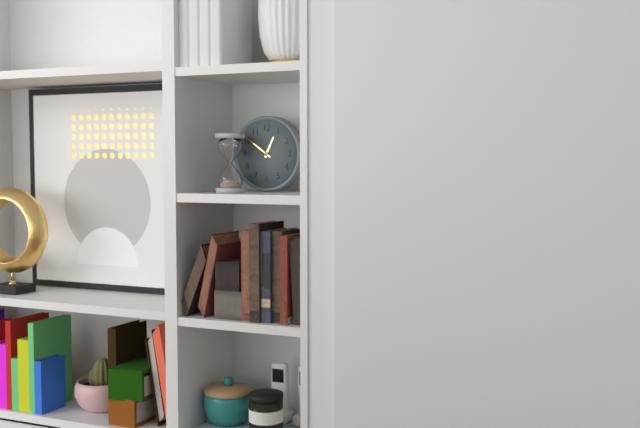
12:51
